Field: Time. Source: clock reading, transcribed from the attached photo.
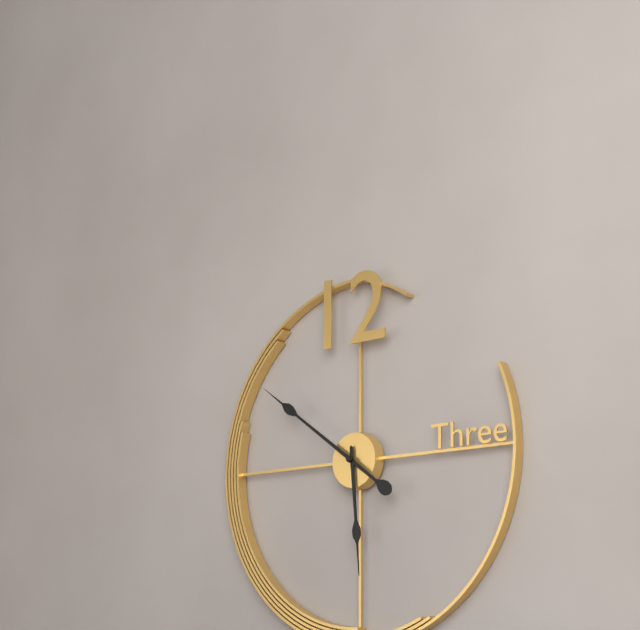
5:51
